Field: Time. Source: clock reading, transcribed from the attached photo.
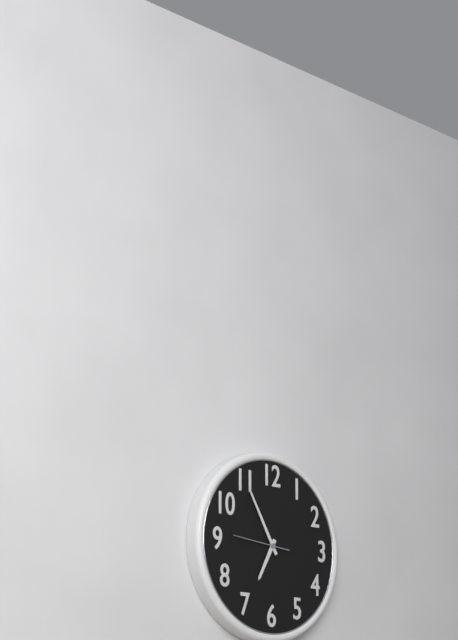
6:55:46
